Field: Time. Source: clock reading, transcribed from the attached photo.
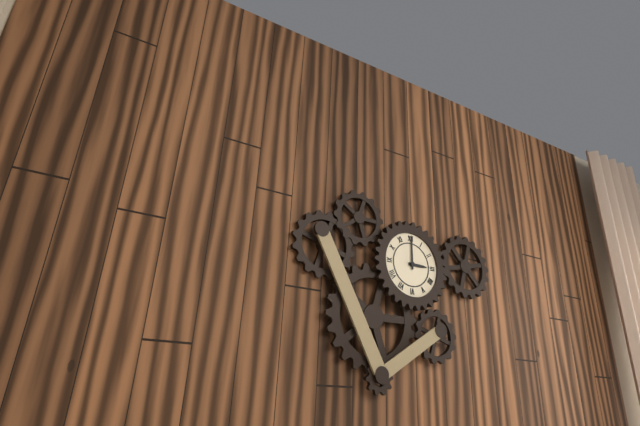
3:00
